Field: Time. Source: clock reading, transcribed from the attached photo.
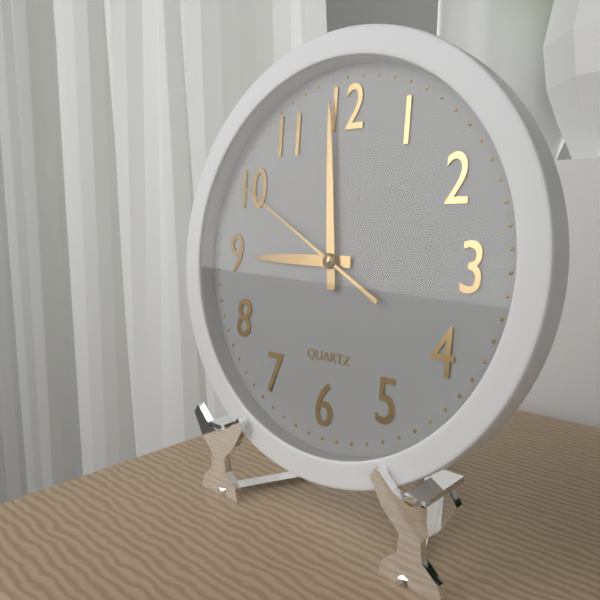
8:59:50
